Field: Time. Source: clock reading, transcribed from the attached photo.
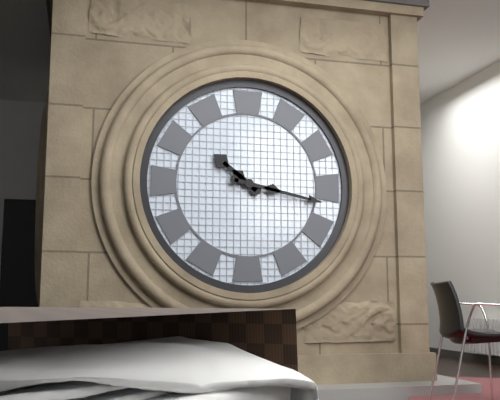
10:17
